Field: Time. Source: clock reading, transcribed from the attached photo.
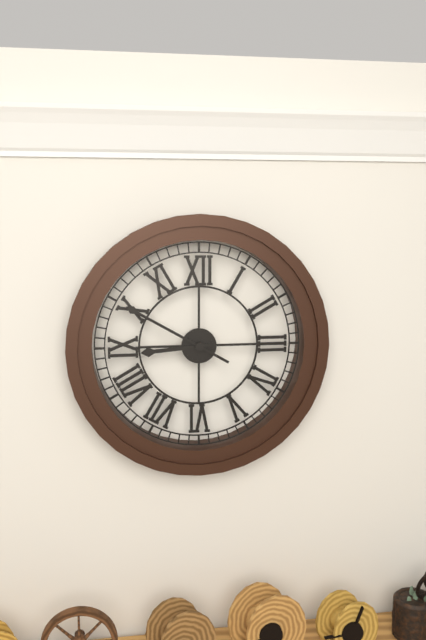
8:50
